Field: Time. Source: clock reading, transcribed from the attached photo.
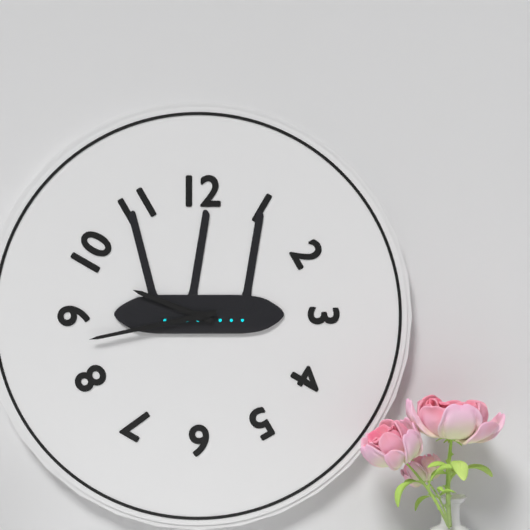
9:43
